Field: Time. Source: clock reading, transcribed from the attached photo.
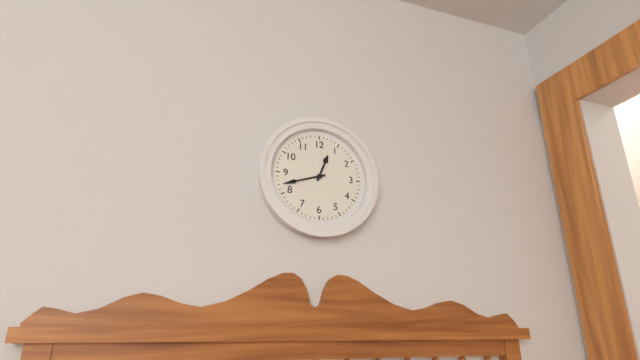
12:42
